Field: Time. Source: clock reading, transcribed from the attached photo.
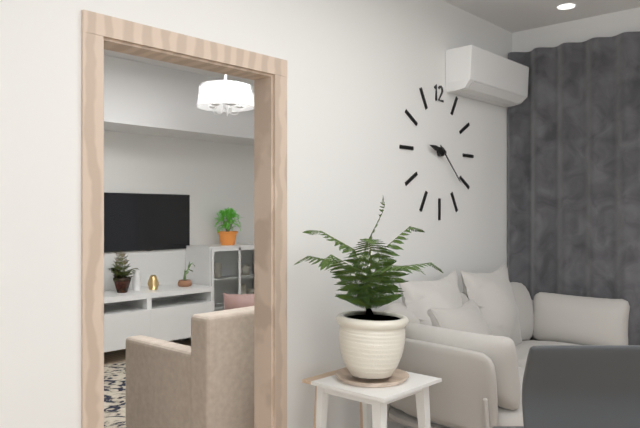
9:22
